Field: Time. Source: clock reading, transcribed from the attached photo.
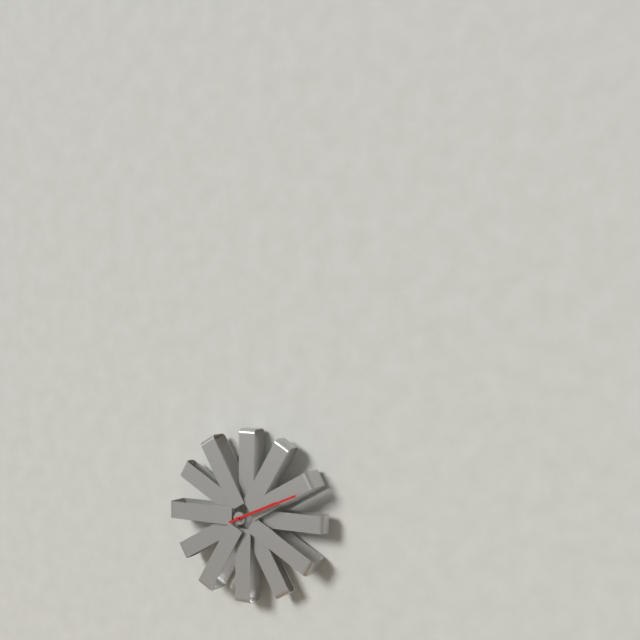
2:11
